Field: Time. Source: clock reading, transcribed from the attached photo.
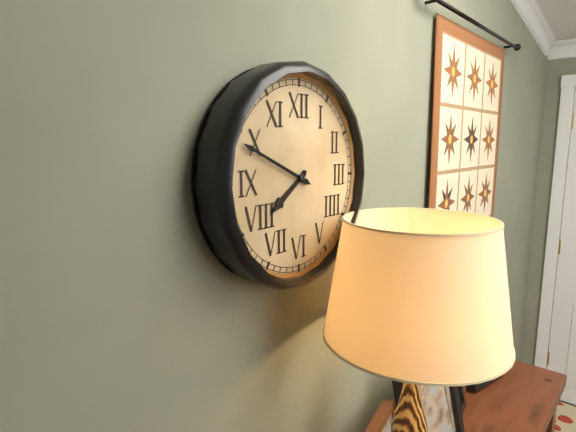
7:49
